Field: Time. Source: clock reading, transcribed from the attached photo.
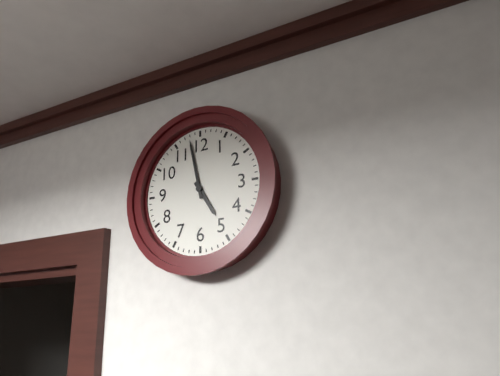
4:58
